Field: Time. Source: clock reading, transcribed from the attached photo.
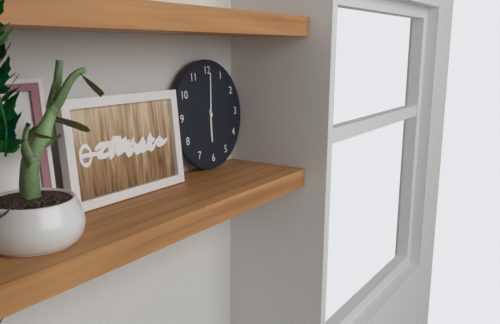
6:01
